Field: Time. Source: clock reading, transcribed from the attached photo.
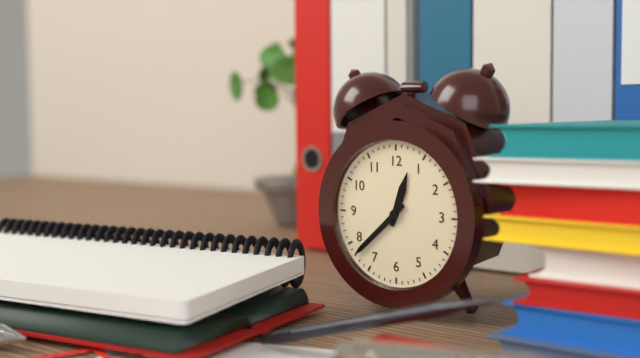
12:38
